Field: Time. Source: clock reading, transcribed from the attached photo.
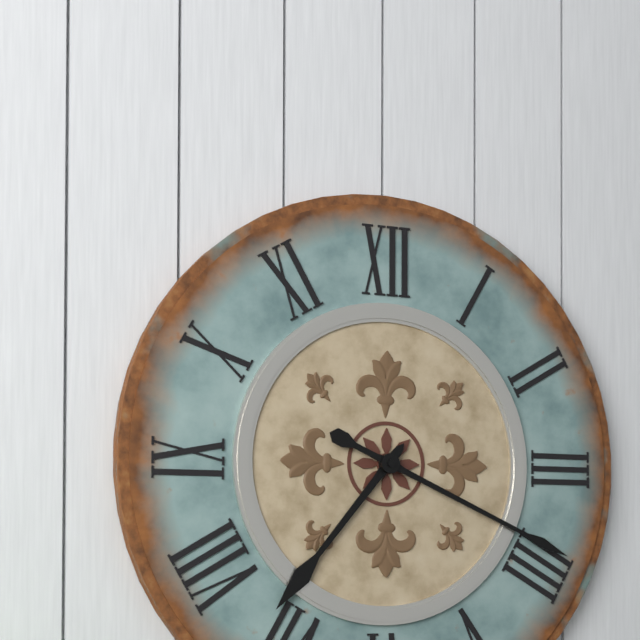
7:19
